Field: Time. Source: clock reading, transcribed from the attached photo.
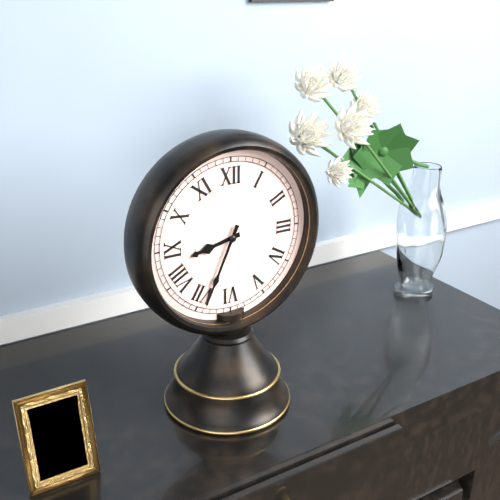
8:34
